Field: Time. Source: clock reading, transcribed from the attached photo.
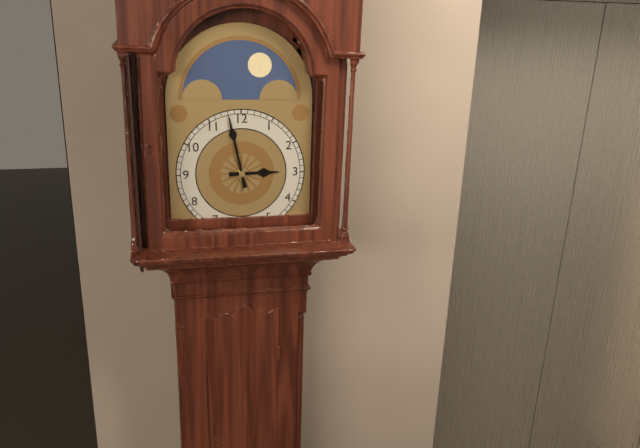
2:58
